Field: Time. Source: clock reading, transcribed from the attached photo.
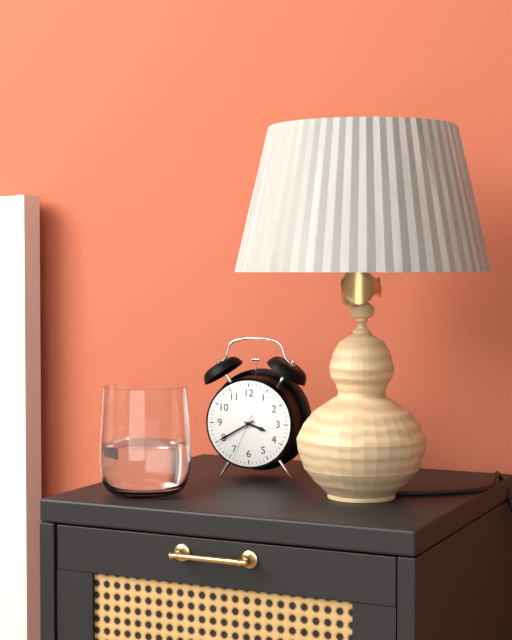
3:40
